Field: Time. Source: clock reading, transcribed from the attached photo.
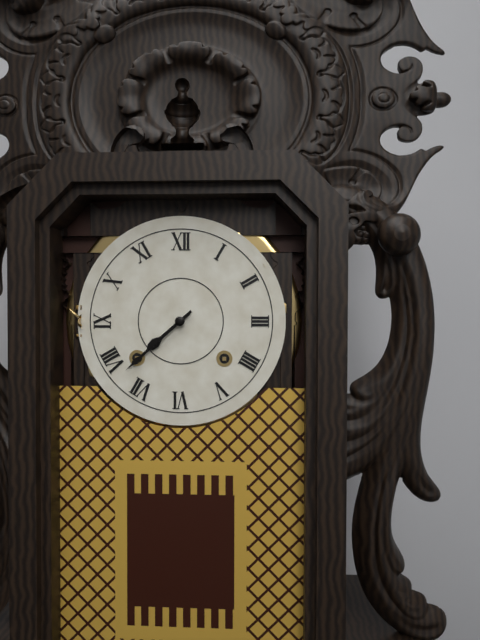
7:38
